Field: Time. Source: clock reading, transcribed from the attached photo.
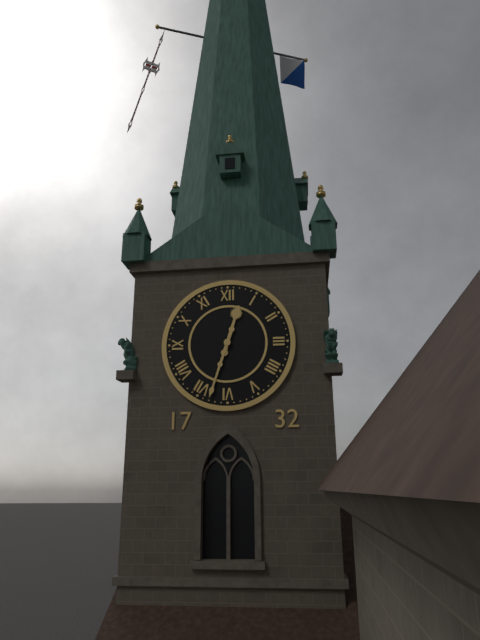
12:33
